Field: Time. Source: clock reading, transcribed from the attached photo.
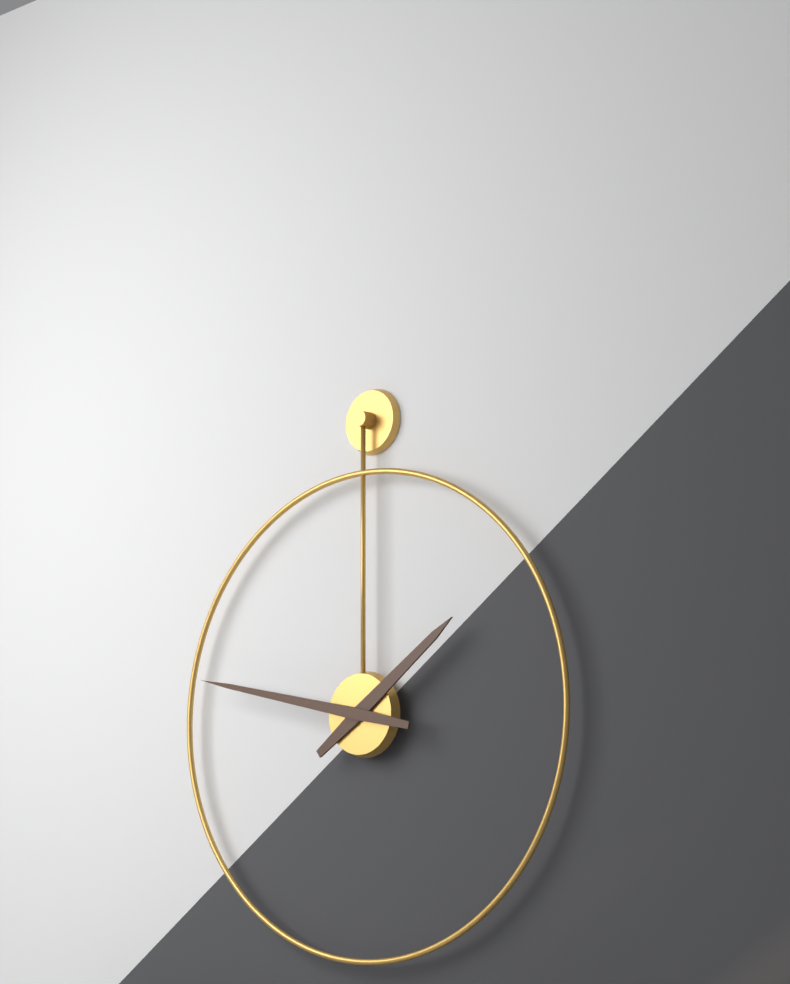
1:47
